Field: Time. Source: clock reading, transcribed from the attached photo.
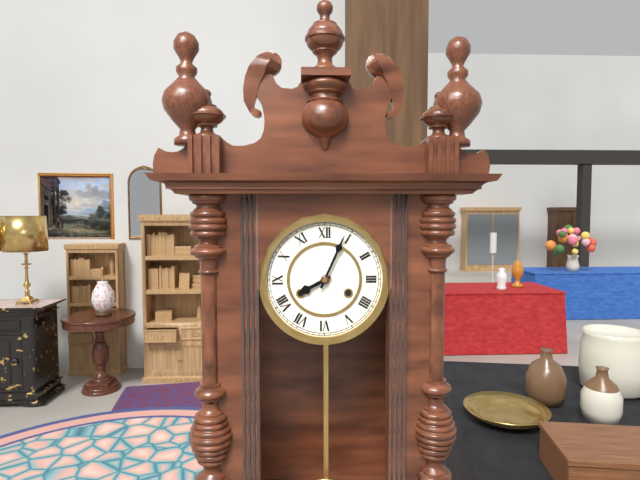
8:04
